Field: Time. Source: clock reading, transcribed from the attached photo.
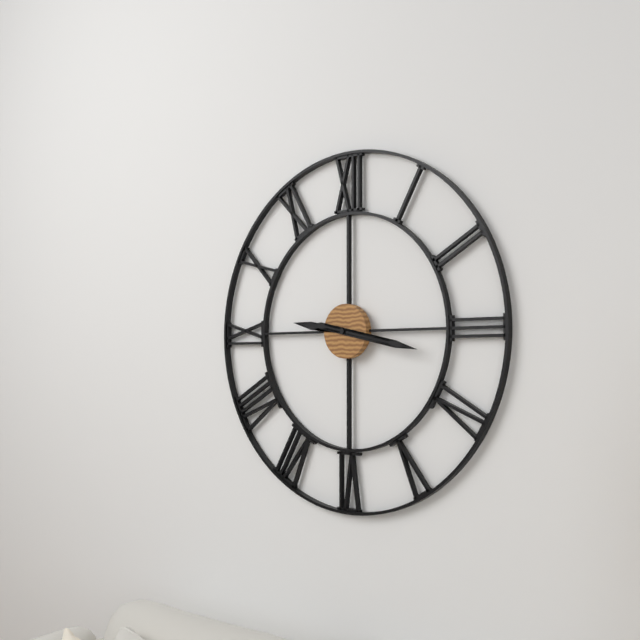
9:17
